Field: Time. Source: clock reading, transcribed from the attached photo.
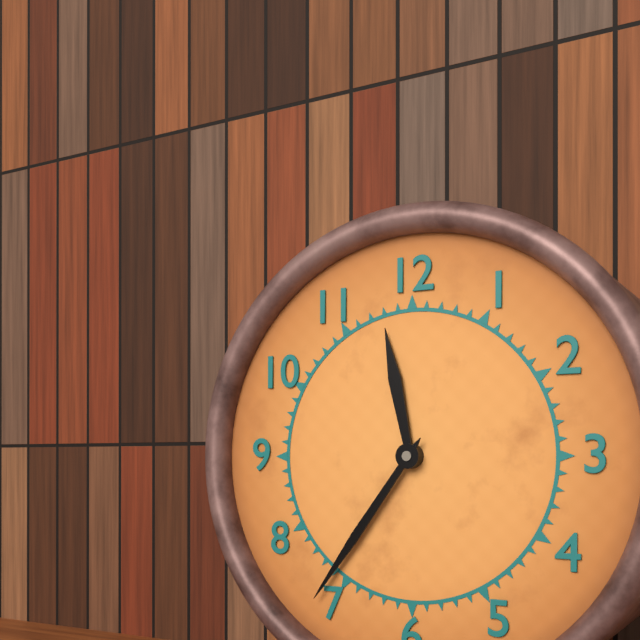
11:36
